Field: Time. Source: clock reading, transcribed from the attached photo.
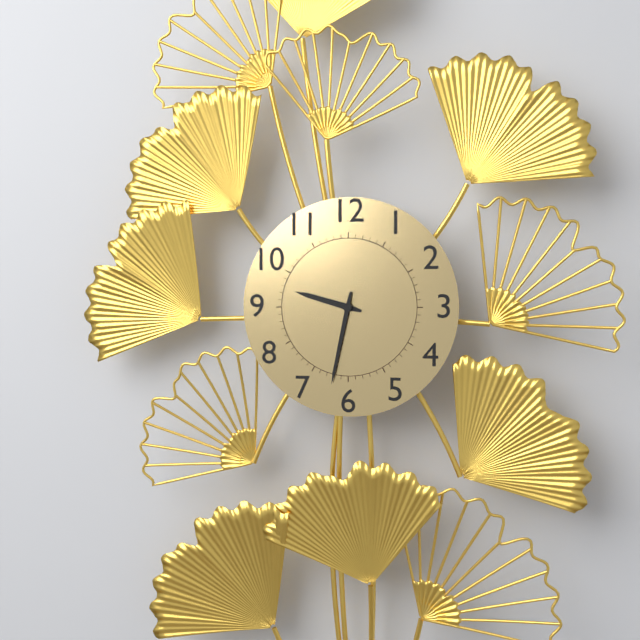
9:32
